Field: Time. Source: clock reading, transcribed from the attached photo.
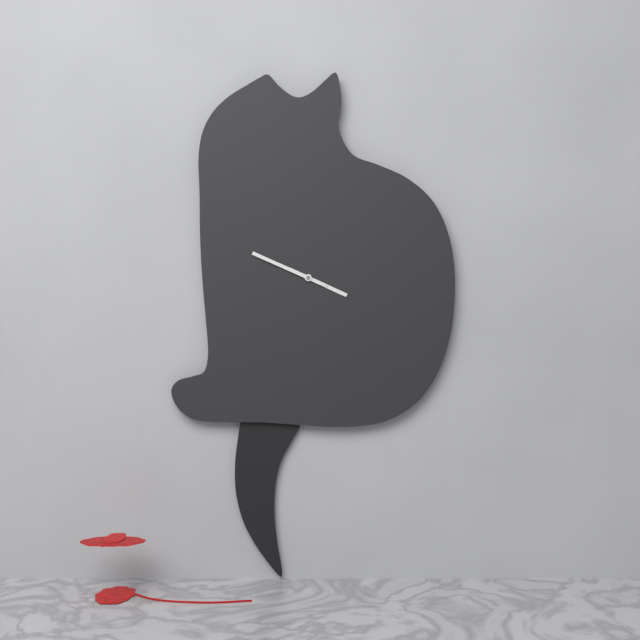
3:49
